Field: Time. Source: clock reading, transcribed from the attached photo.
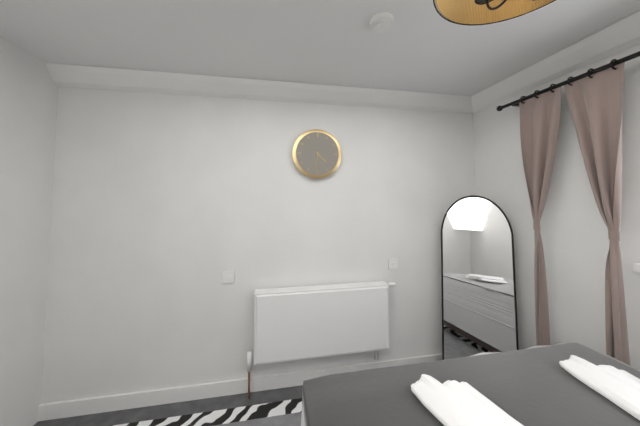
4:31
